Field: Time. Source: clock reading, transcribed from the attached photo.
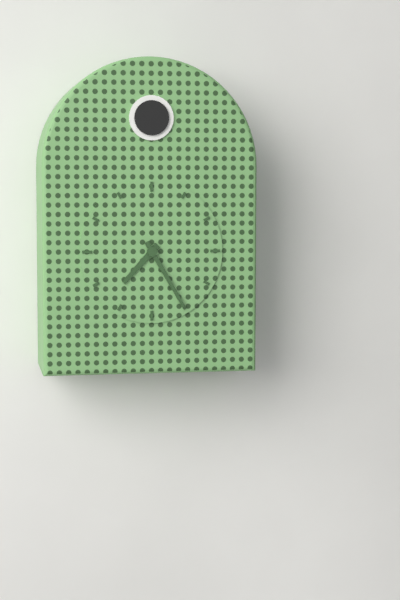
7:25
